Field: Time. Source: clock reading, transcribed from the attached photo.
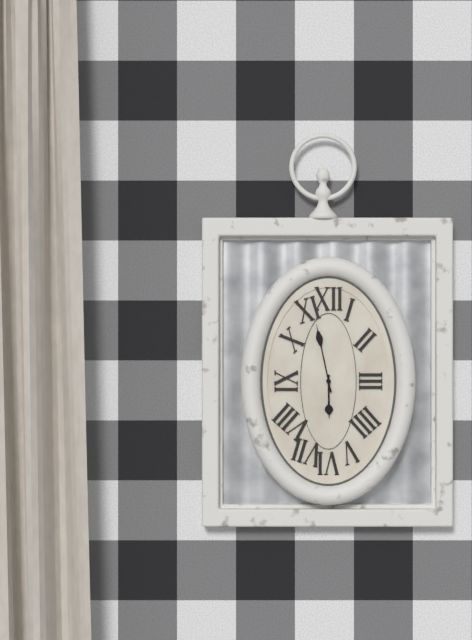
5:58
